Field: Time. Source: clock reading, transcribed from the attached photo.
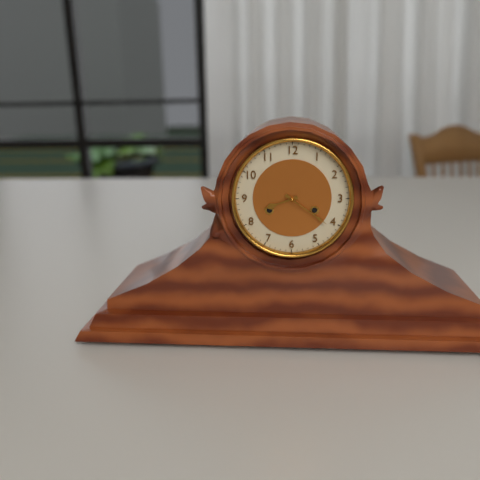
8:21
